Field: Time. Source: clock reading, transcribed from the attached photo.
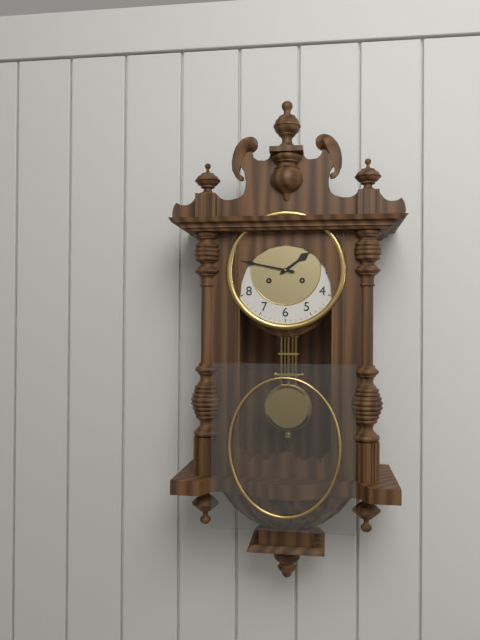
1:47
